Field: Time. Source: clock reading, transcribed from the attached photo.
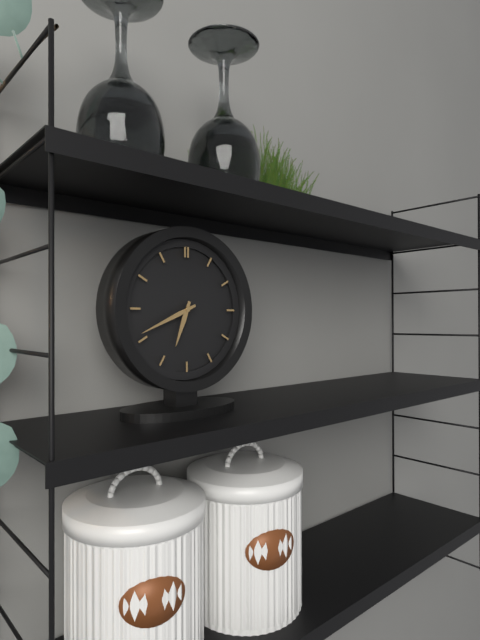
6:41
